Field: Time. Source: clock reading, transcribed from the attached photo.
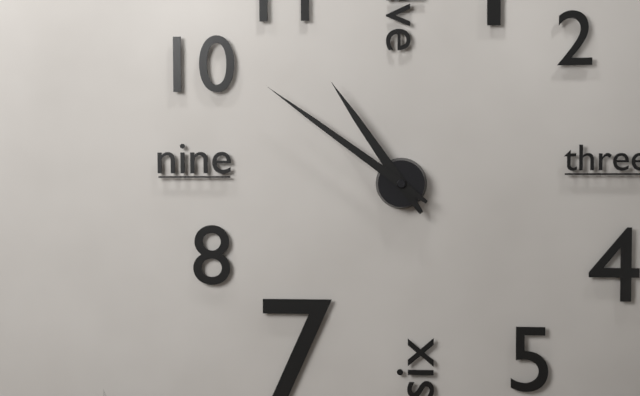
10:51
